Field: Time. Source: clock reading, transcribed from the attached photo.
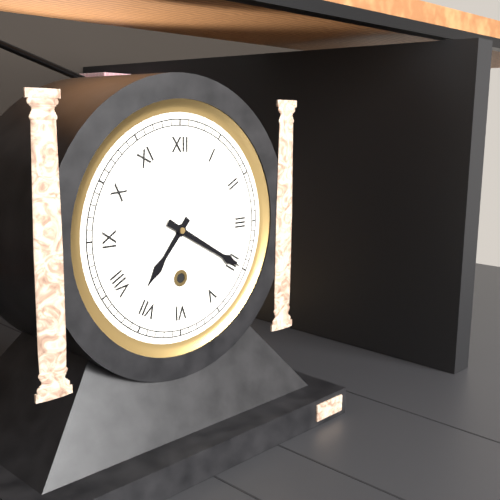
7:20
